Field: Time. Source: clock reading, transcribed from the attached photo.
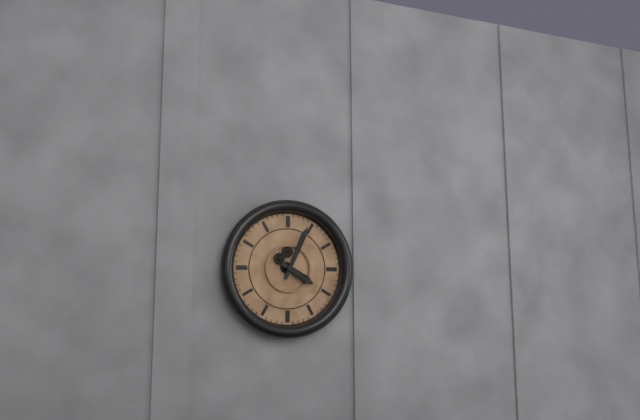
4:04
